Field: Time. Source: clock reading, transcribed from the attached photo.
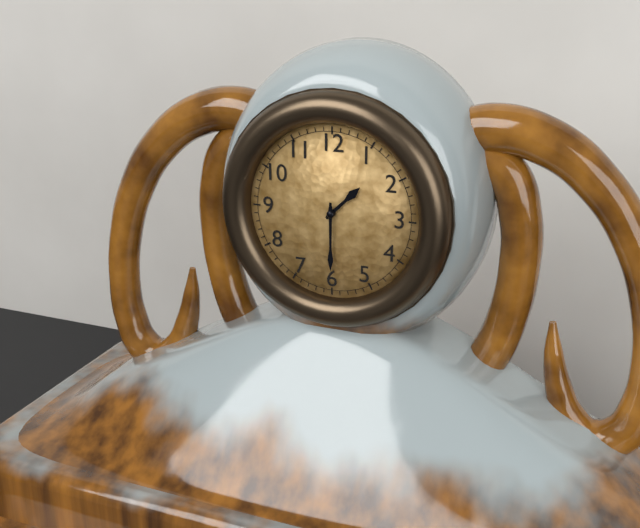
1:30
